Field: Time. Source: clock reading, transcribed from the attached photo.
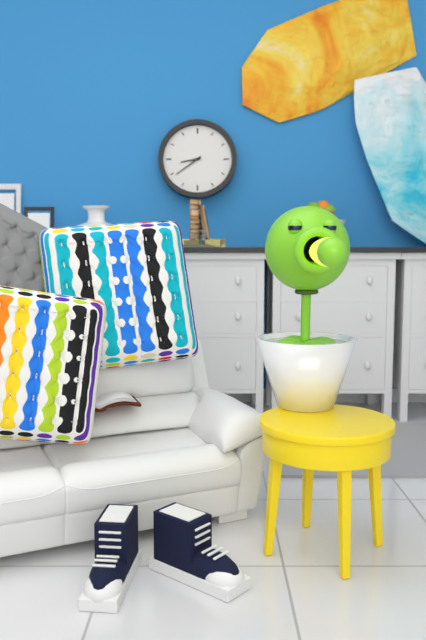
8:39
